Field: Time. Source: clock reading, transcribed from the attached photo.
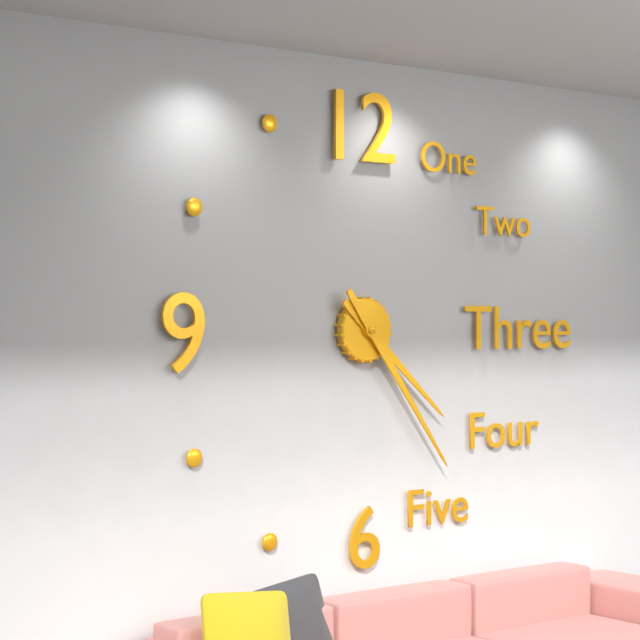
4:24
